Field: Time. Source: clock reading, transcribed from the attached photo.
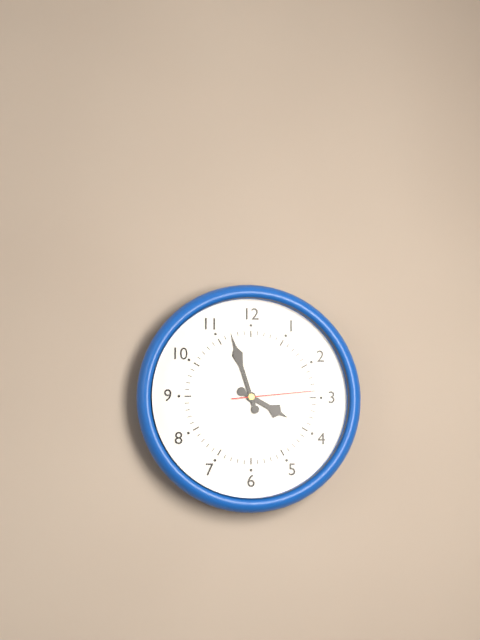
3:57:14
